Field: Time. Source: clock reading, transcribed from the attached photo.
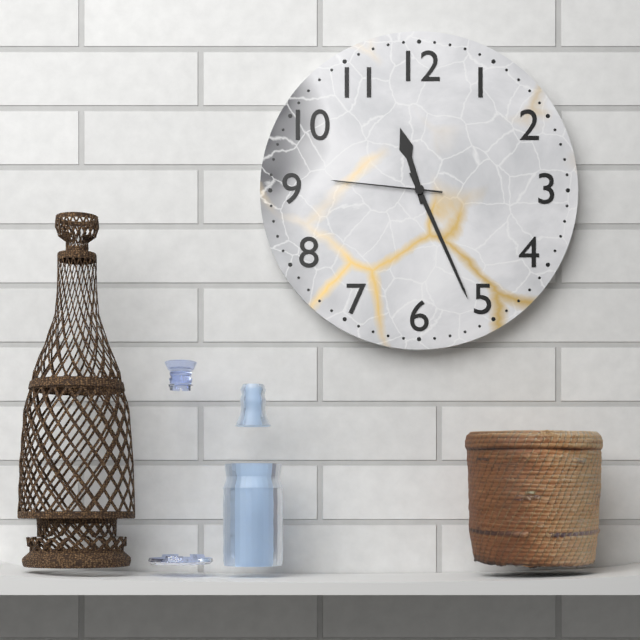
11:26:46
